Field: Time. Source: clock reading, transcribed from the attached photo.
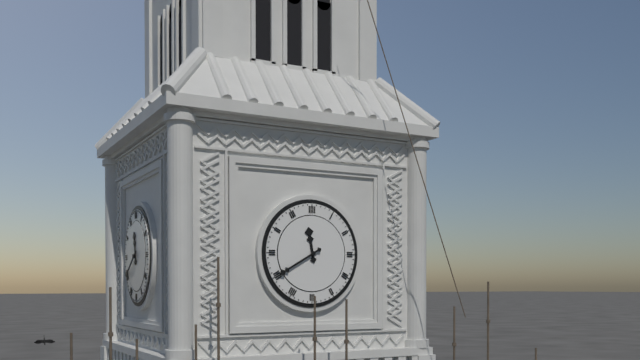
11:40
